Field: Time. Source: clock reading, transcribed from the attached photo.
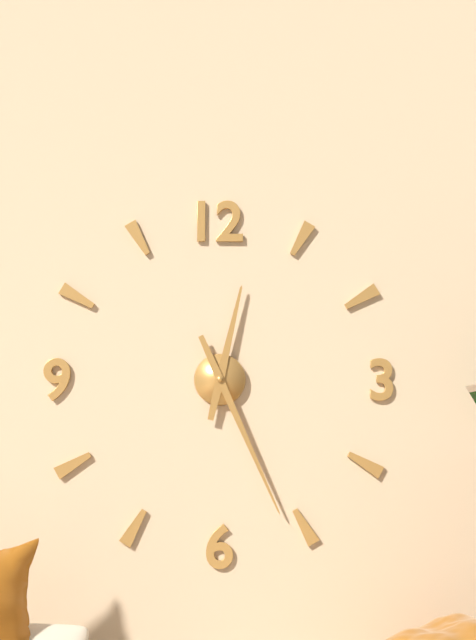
12:26
